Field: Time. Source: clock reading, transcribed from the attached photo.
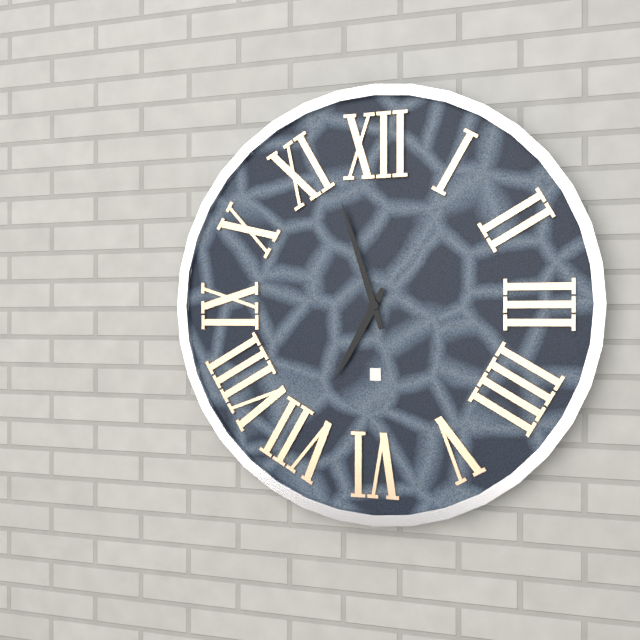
6:57
